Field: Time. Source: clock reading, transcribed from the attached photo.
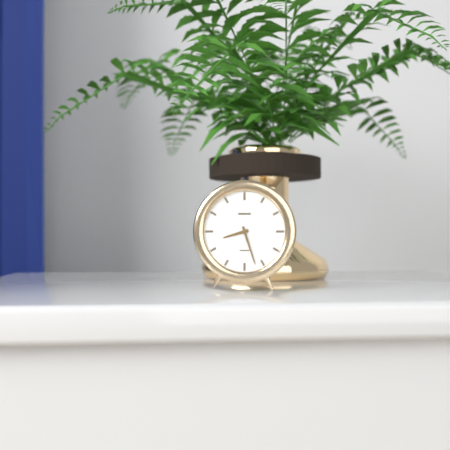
8:27
